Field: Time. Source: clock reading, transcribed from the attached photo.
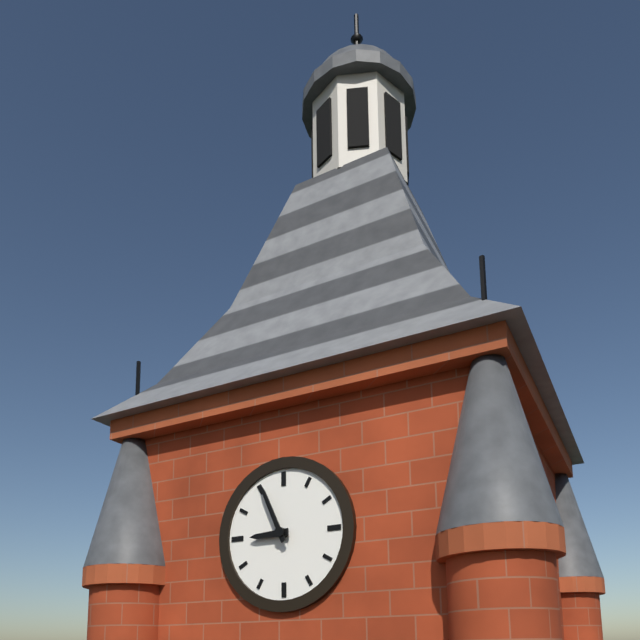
8:56
